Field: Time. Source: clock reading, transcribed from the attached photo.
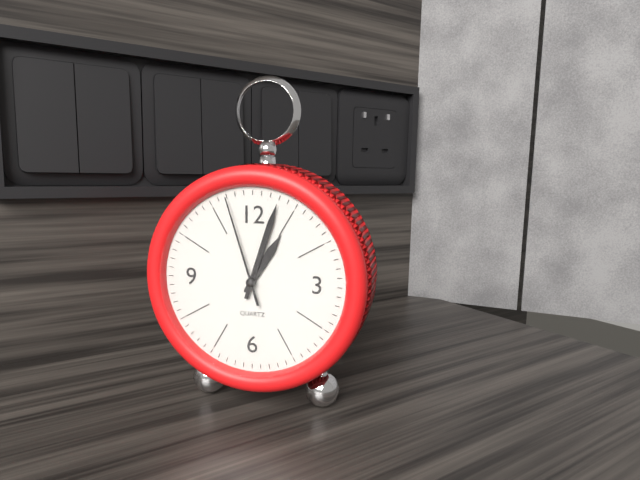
1:03:57
